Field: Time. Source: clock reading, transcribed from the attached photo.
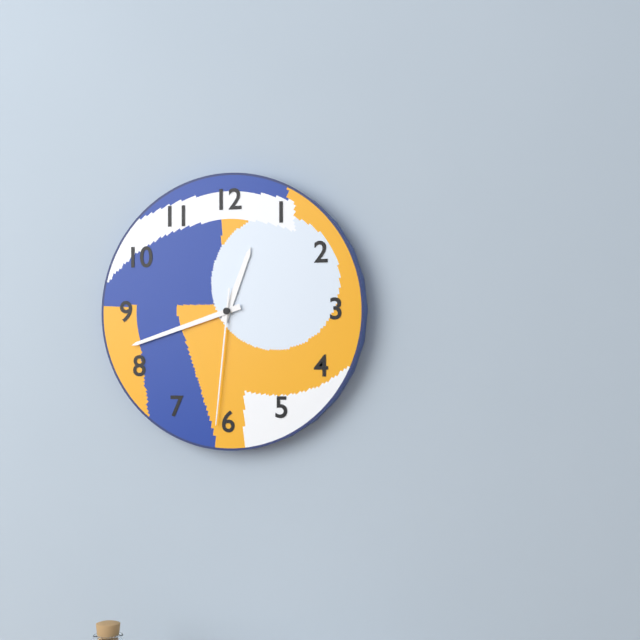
12:42:31
